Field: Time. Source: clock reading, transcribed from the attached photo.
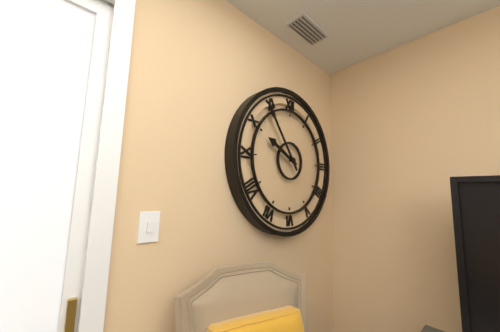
9:54
